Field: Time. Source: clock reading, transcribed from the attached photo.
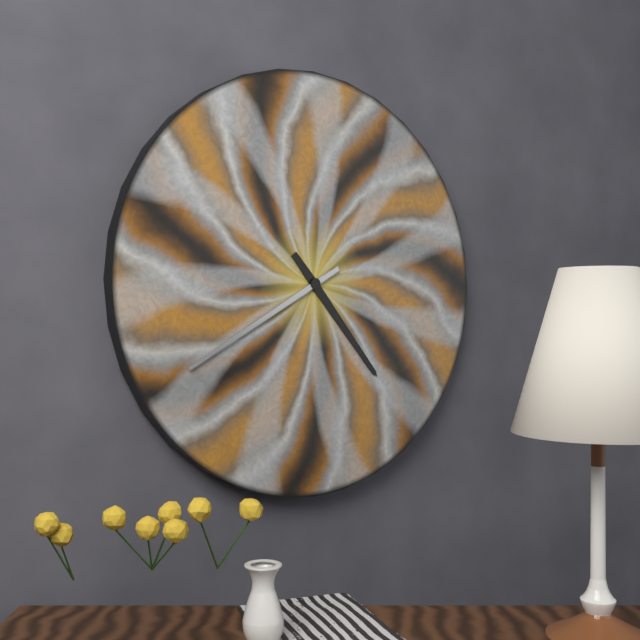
4:40
